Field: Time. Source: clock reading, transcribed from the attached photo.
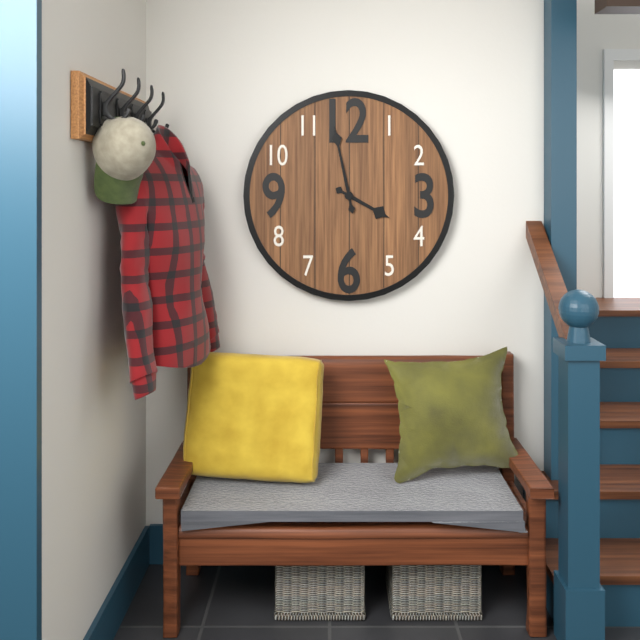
3:58
